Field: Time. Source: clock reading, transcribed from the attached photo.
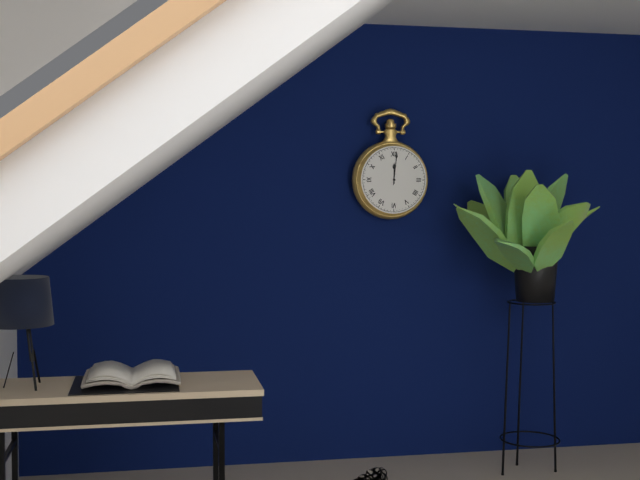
12:01
